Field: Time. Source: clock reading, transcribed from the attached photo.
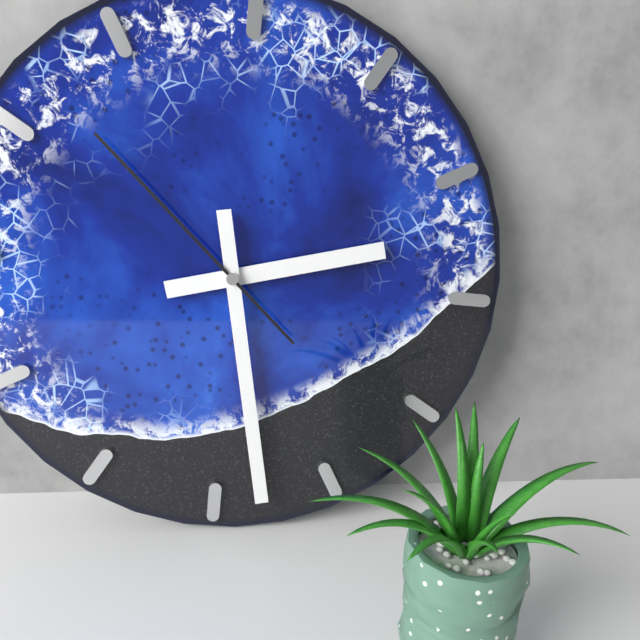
2:28:52
